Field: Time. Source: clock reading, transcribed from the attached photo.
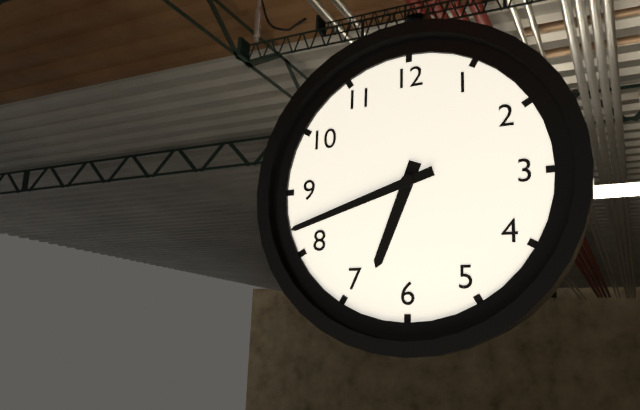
6:42
